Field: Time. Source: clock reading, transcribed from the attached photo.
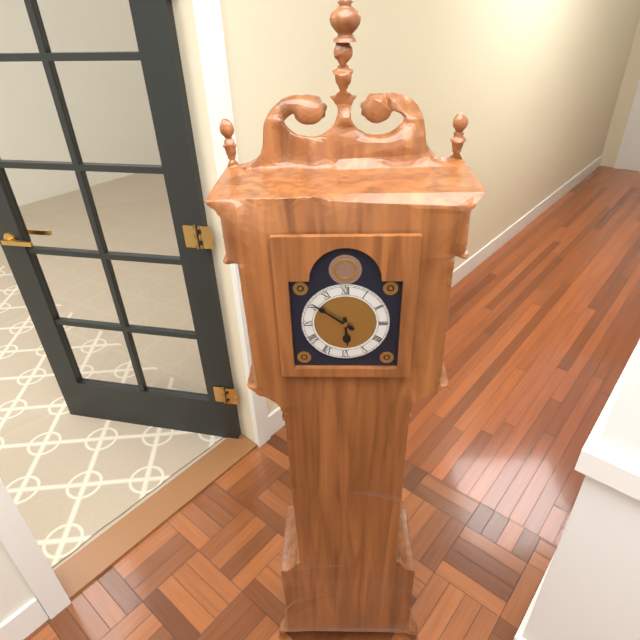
5:51
